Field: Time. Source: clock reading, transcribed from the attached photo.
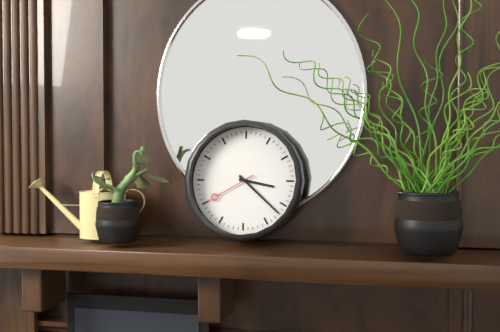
3:22:40
